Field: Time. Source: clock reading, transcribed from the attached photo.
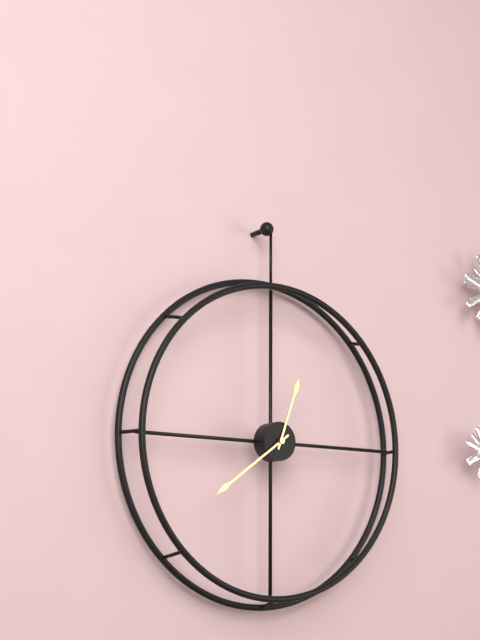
12:39
